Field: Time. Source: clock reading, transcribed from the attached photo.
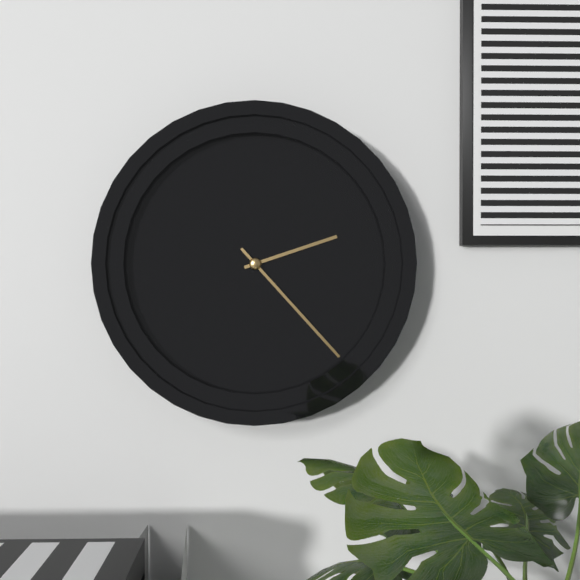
2:23
